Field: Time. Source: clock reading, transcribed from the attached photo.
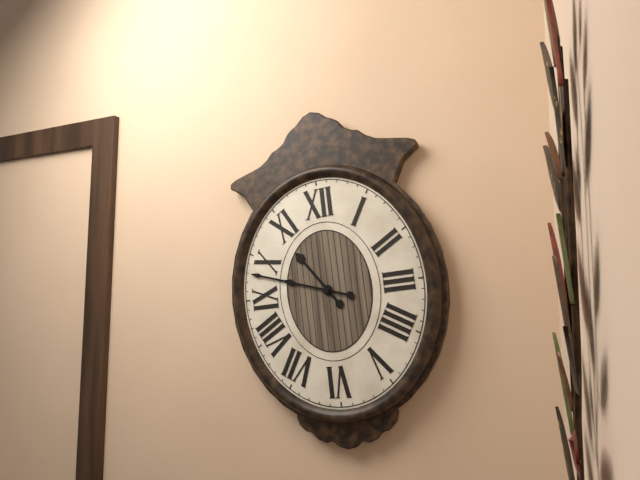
10:48
